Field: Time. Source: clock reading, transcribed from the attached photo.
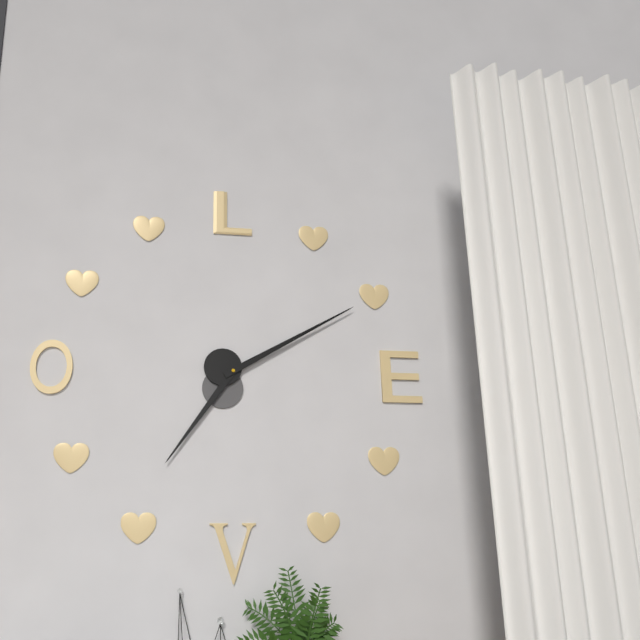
7:10
